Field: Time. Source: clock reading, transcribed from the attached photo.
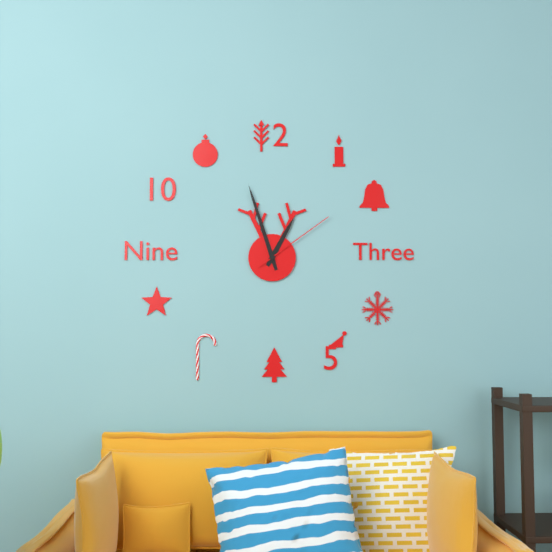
12:57:09
